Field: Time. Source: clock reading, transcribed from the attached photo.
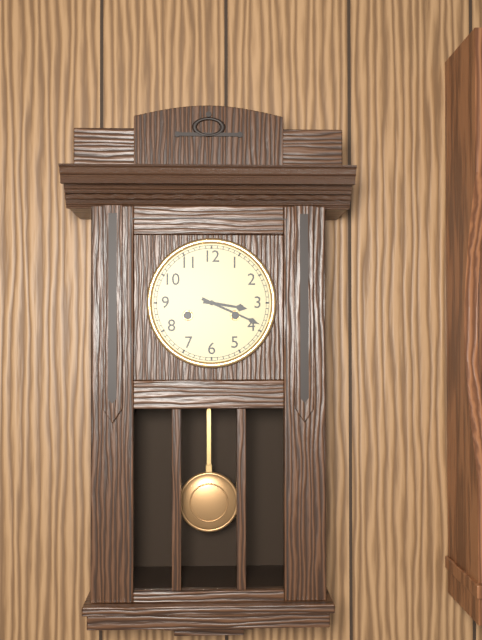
3:19
